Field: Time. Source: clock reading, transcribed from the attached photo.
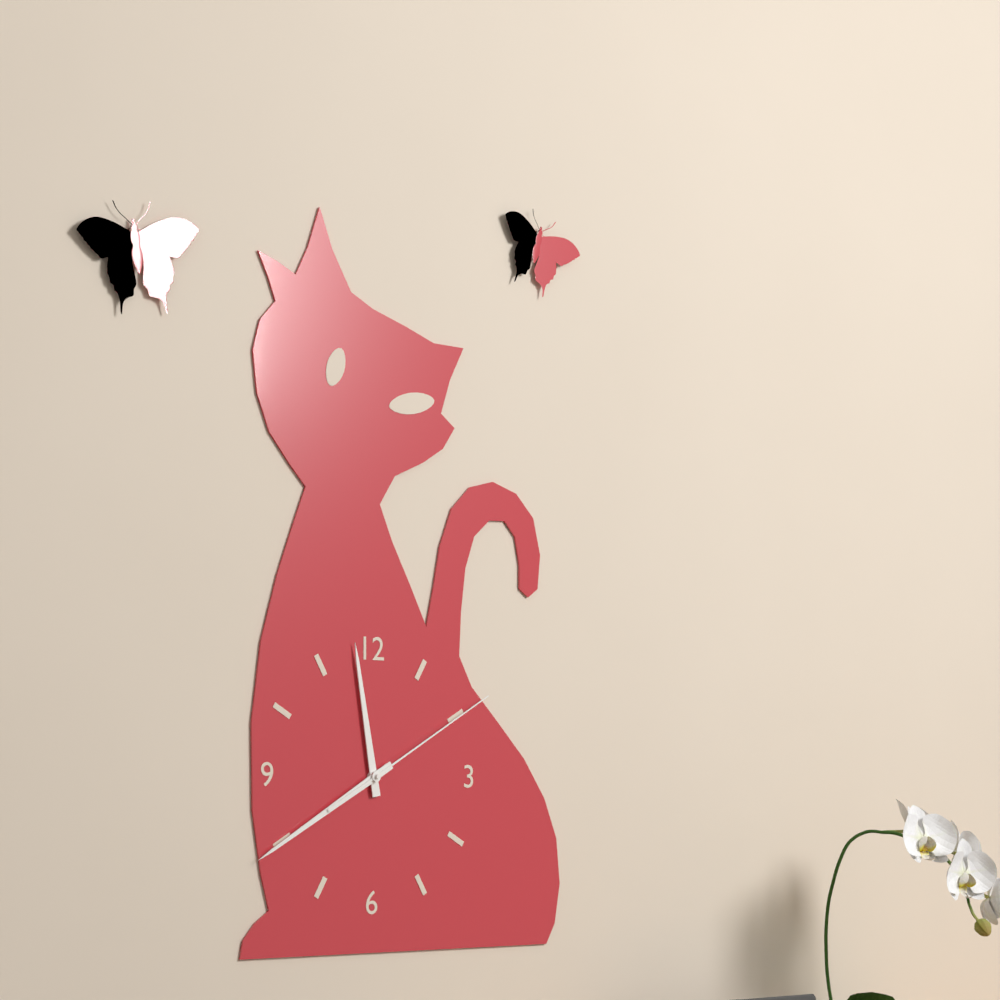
11:40:10
